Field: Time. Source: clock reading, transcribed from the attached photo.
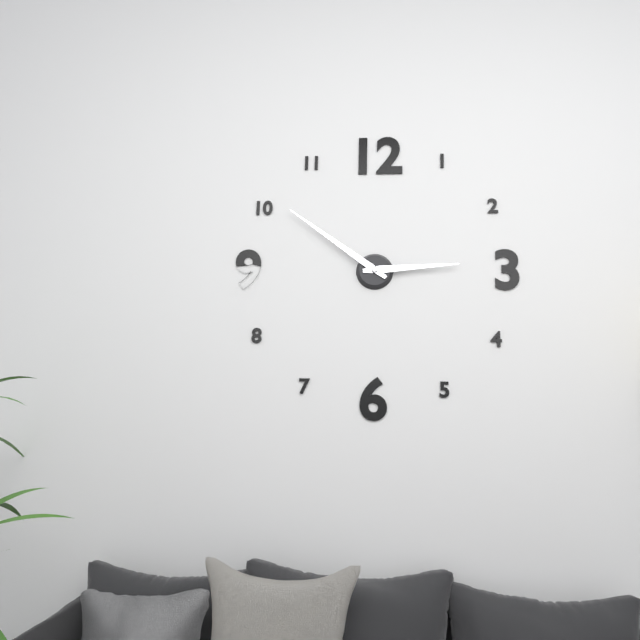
2:51
